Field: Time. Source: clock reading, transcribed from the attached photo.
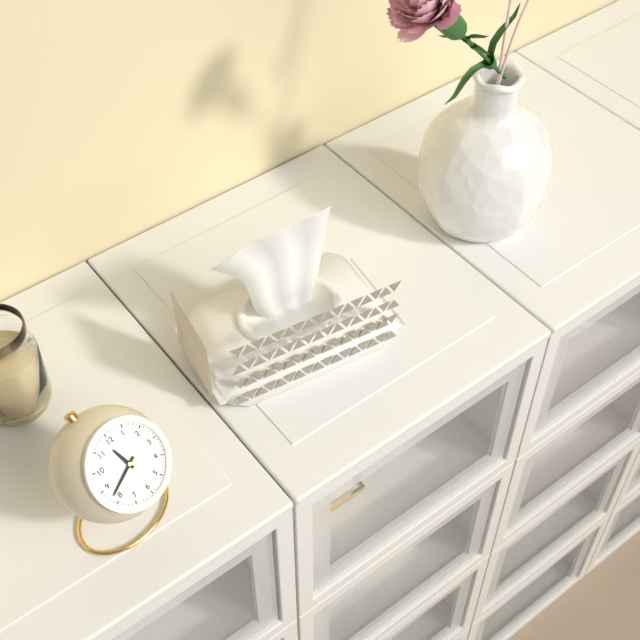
11:42
